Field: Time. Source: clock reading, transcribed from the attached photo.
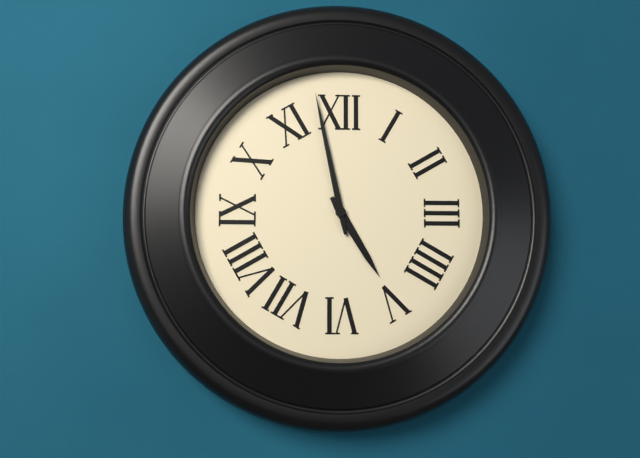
4:58
